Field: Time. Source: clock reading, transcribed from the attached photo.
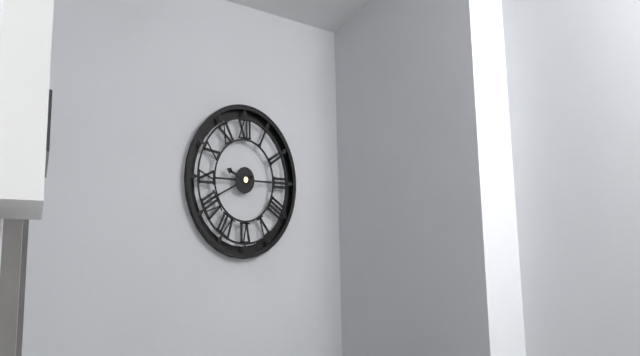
9:41
